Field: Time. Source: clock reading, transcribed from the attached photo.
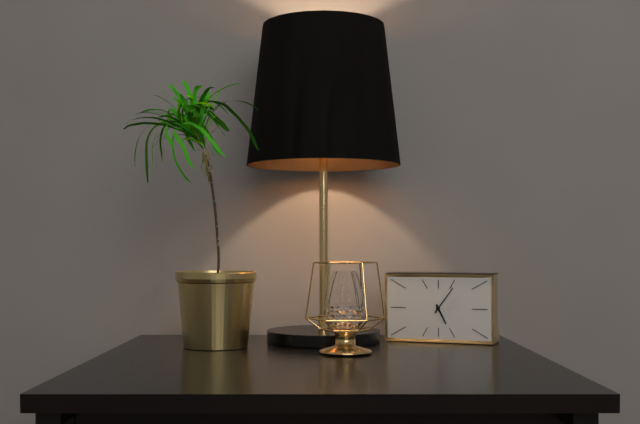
5:06
